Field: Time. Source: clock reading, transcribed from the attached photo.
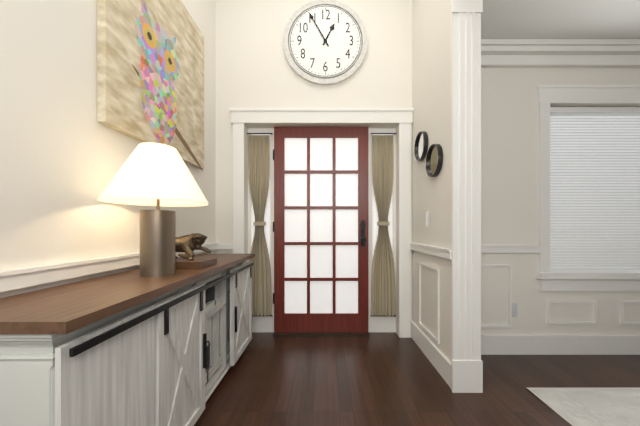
12:55
